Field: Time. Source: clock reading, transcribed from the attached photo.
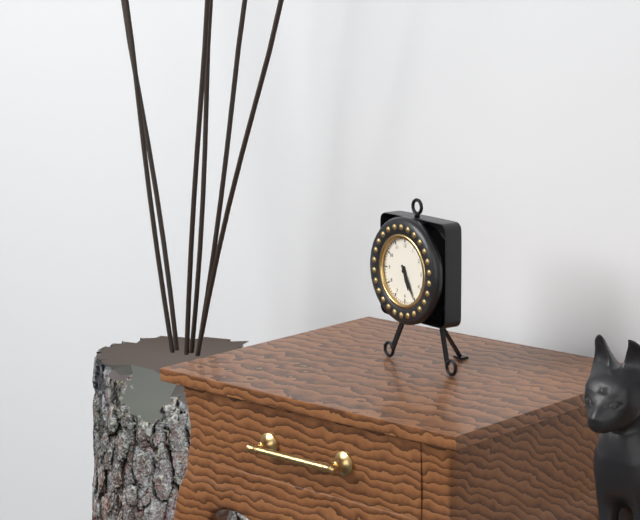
5:25
